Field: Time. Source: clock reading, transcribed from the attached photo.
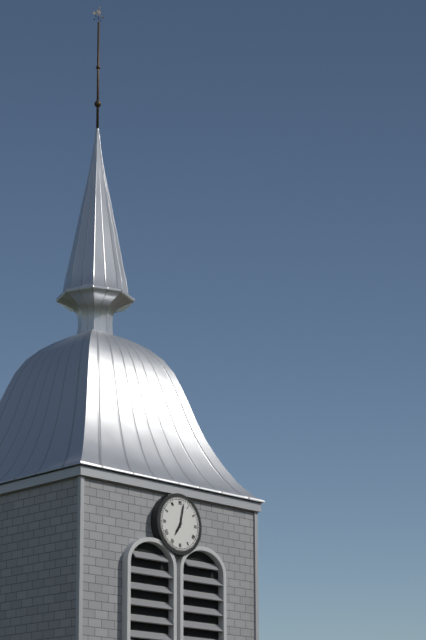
7:02
